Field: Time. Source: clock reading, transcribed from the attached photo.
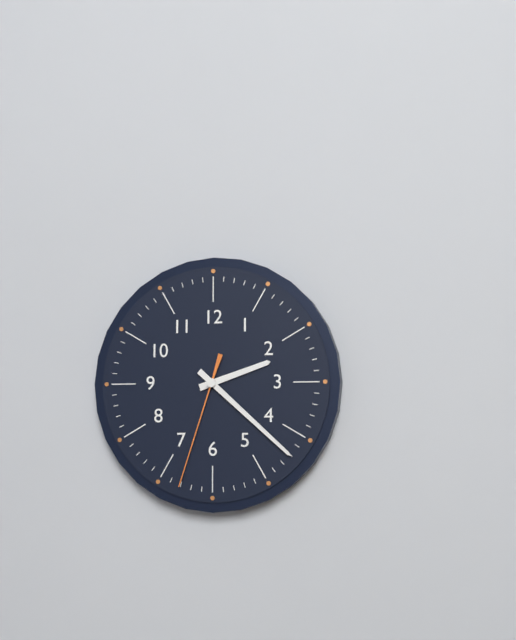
2:22:33
